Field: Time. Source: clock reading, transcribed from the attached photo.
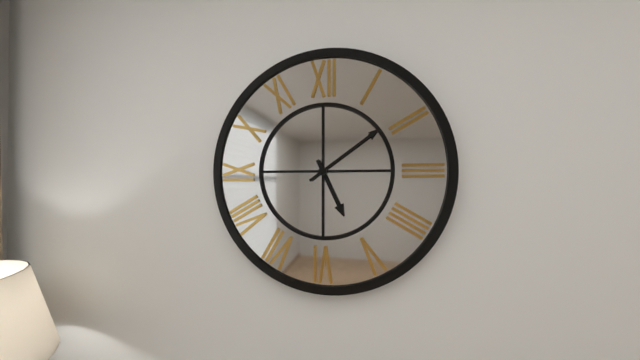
5:09
